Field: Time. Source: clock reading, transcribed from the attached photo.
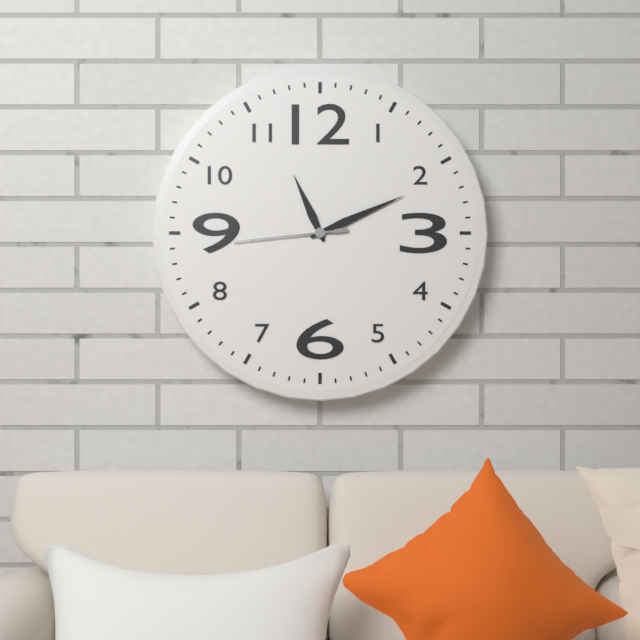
11:11:44
